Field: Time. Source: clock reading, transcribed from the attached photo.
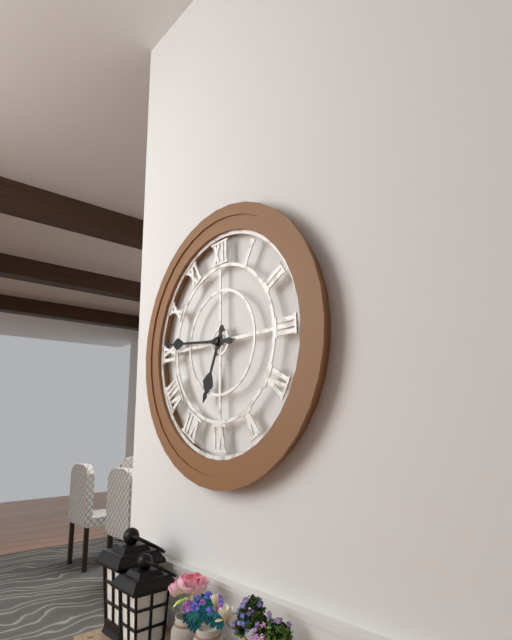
6:46
